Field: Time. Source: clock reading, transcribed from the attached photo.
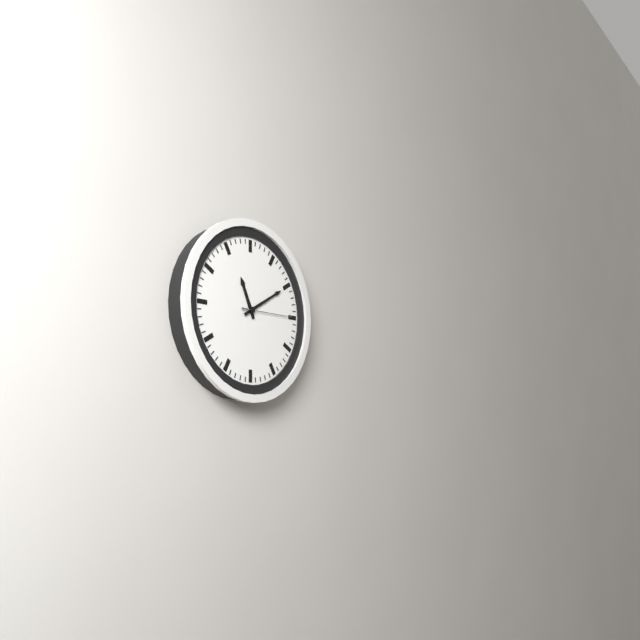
11:10
